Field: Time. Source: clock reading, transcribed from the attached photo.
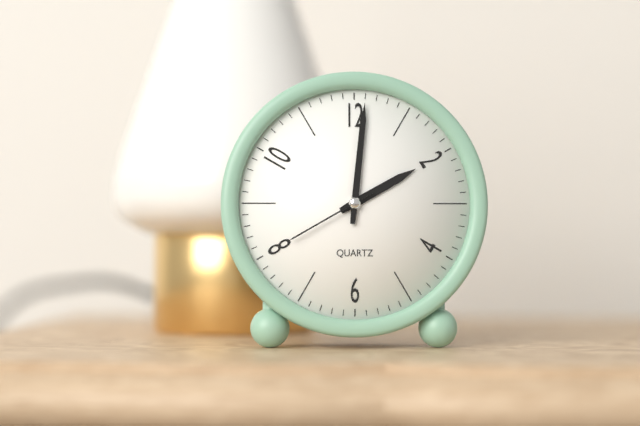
2:01:40
